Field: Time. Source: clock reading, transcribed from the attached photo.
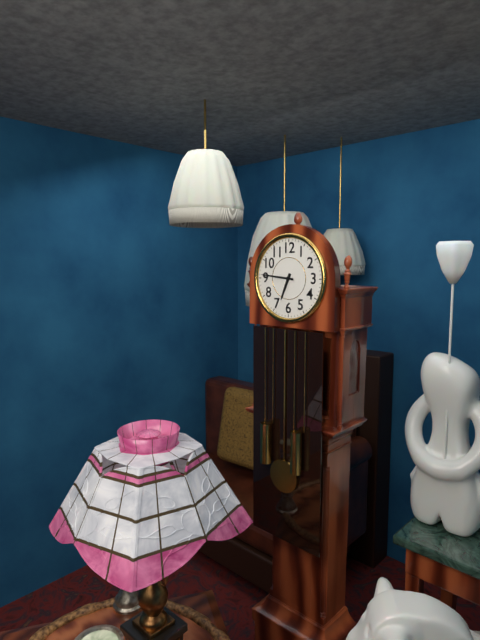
6:46
